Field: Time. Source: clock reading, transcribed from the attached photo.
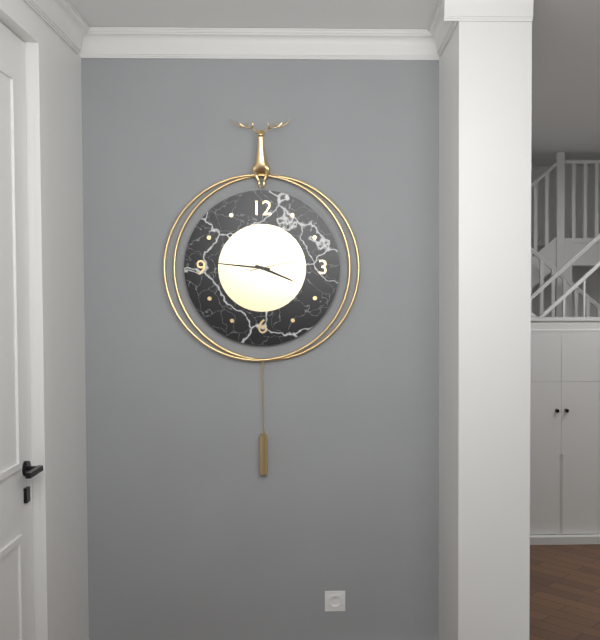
3:46:13
